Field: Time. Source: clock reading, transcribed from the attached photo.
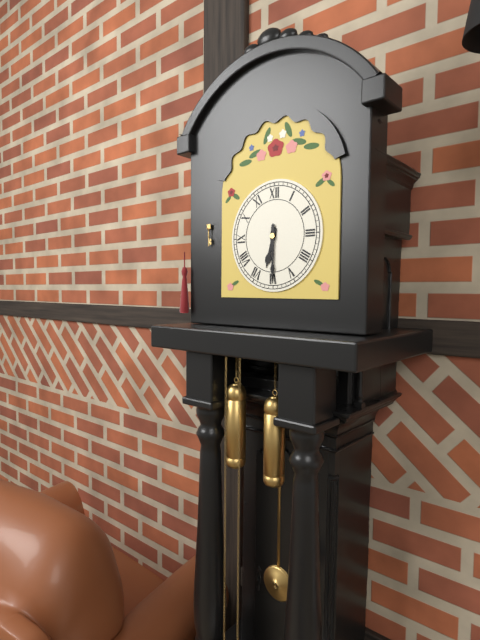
6:30
